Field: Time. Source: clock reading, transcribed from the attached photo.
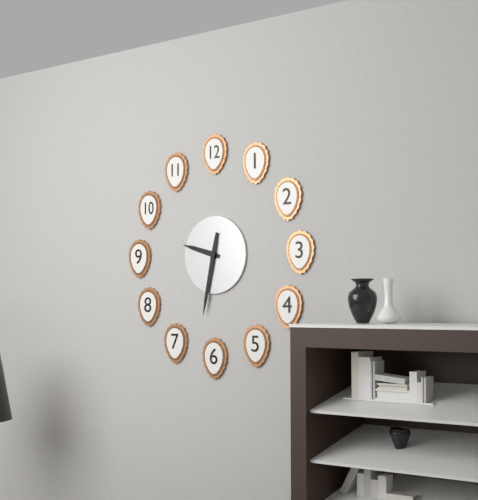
9:32
